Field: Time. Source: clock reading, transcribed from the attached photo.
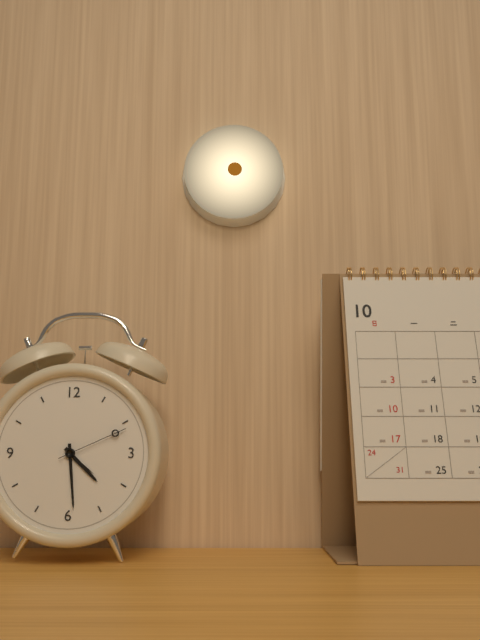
4:29:11
